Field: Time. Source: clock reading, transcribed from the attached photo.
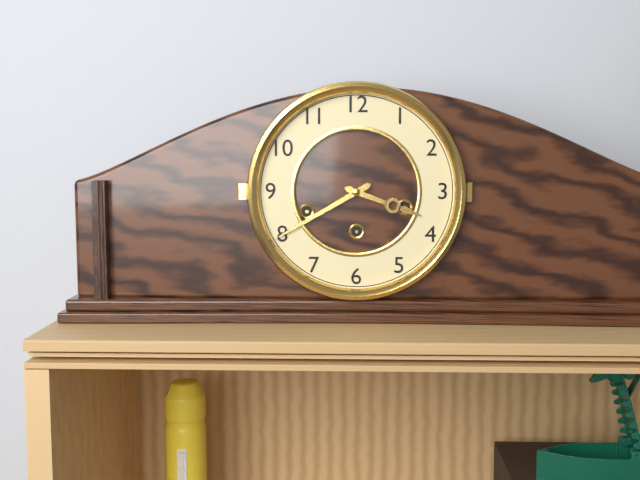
3:40
